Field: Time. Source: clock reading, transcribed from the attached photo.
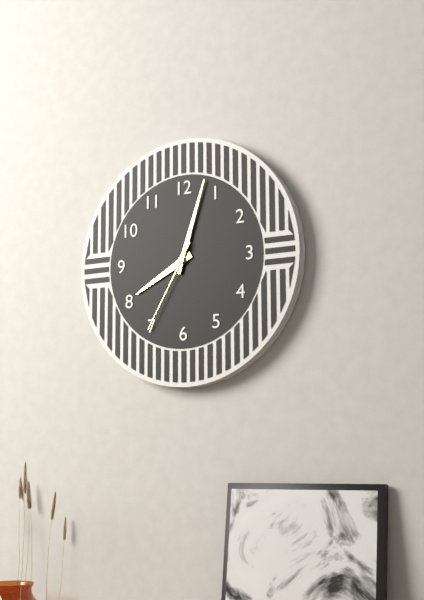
8:03:35
